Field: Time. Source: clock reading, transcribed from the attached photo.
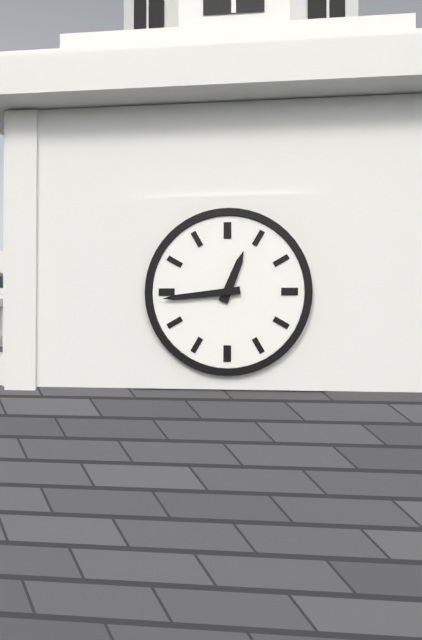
12:44
